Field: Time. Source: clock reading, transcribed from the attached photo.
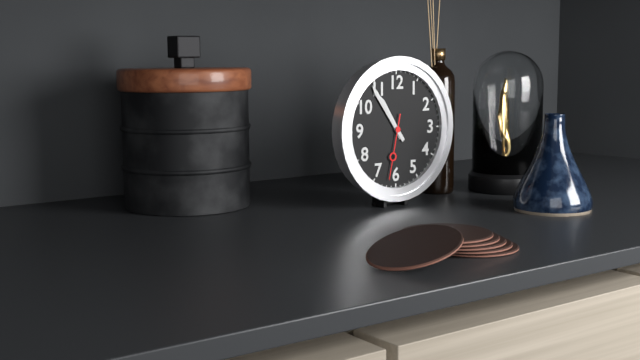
10:54:32
